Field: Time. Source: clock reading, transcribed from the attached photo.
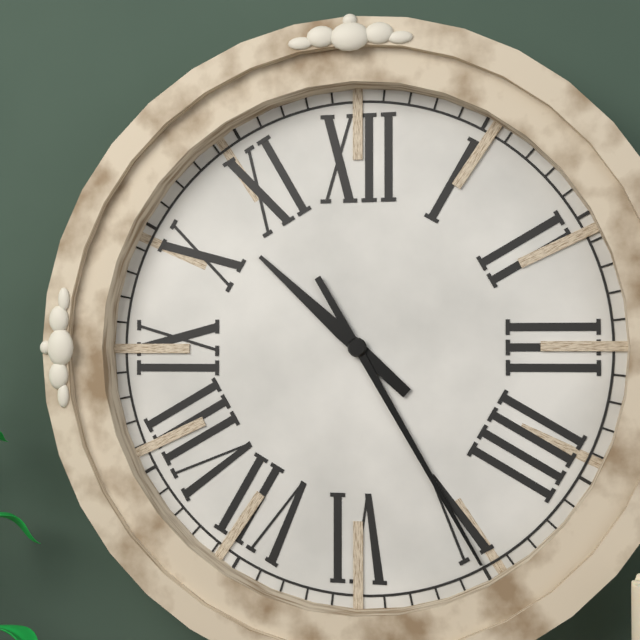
10:25
